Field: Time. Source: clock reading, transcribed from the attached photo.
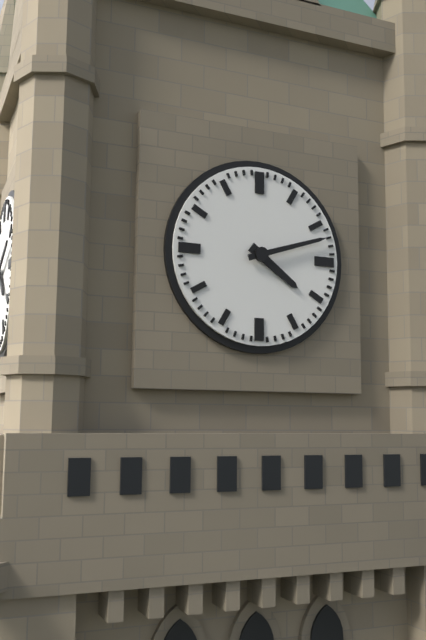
4:12
